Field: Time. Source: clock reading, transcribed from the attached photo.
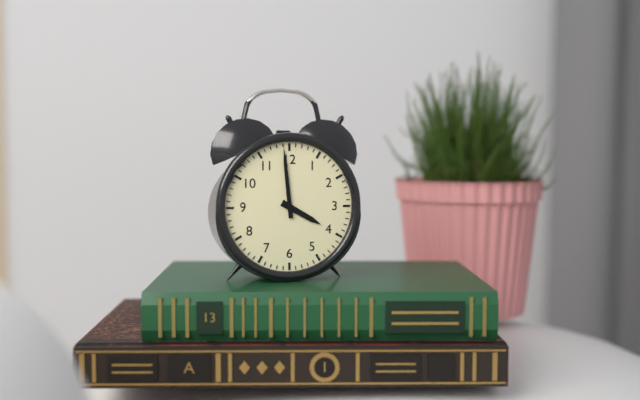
3:59
